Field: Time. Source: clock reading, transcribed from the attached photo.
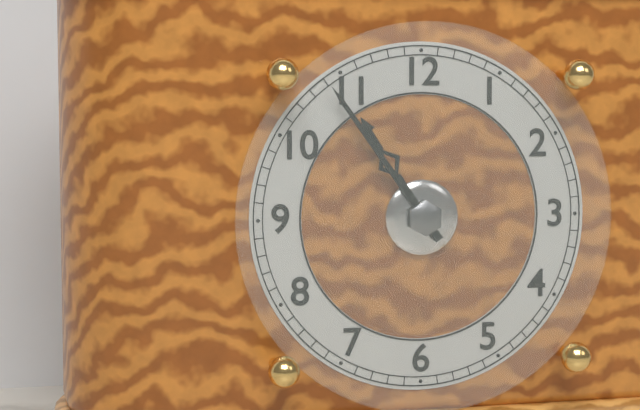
10:54
